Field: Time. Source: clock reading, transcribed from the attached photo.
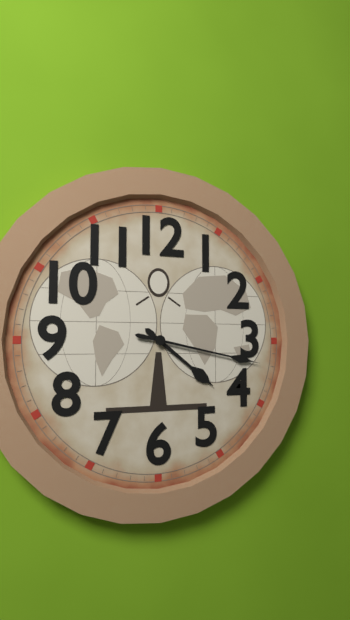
4:17
